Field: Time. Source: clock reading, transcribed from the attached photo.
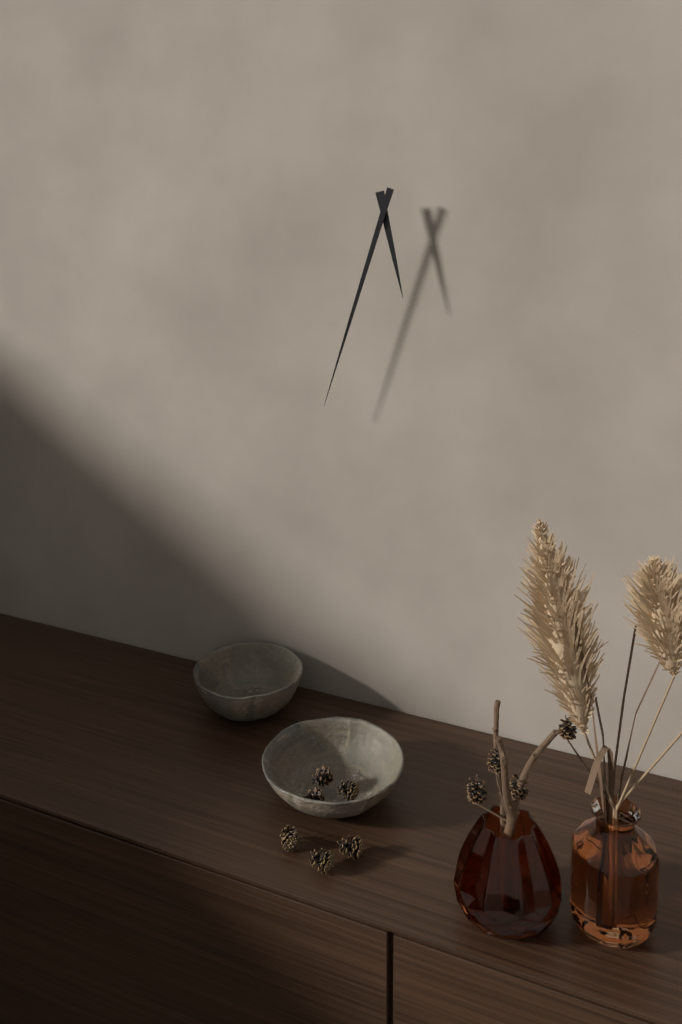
5:33
